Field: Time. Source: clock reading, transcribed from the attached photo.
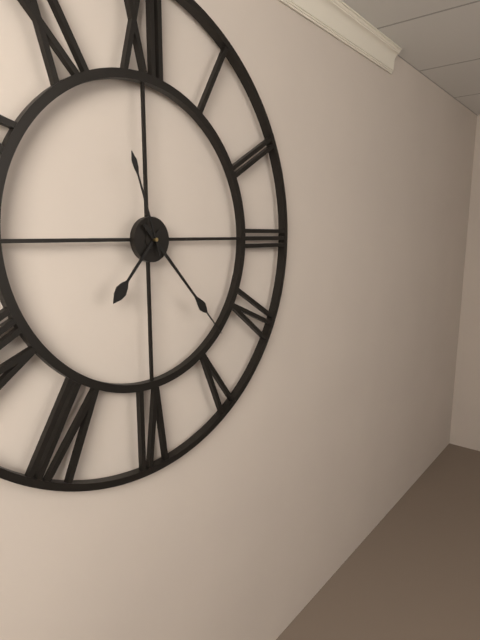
7:23:57
